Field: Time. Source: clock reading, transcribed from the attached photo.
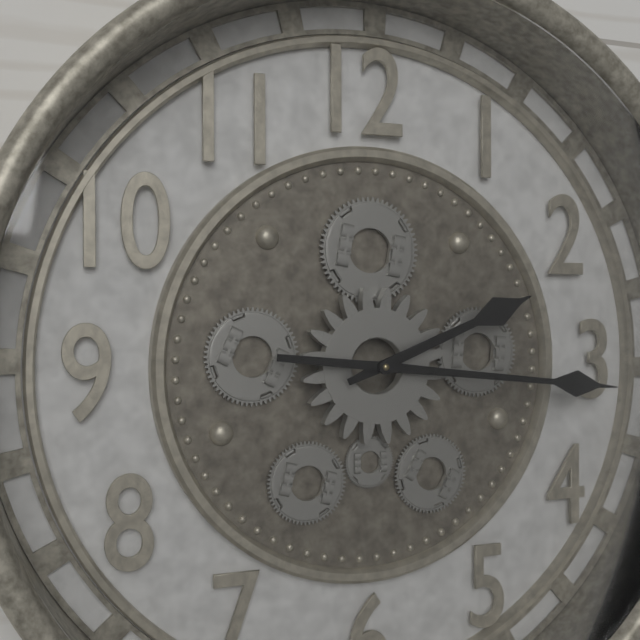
2:16
